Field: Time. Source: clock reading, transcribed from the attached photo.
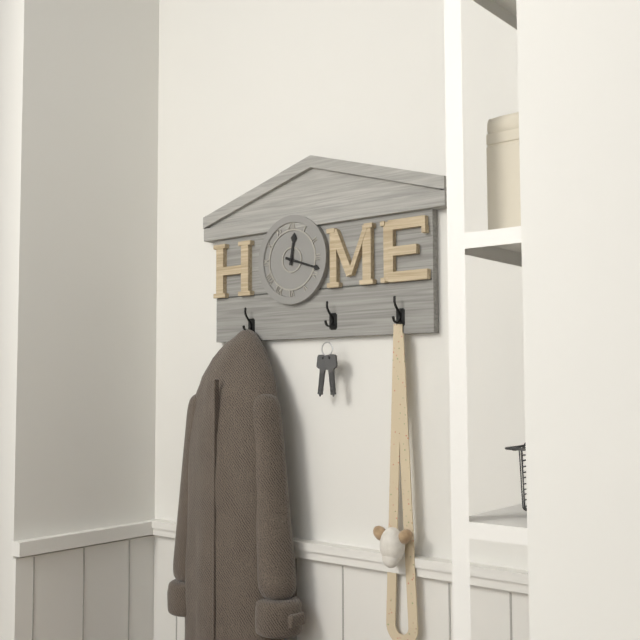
12:18
